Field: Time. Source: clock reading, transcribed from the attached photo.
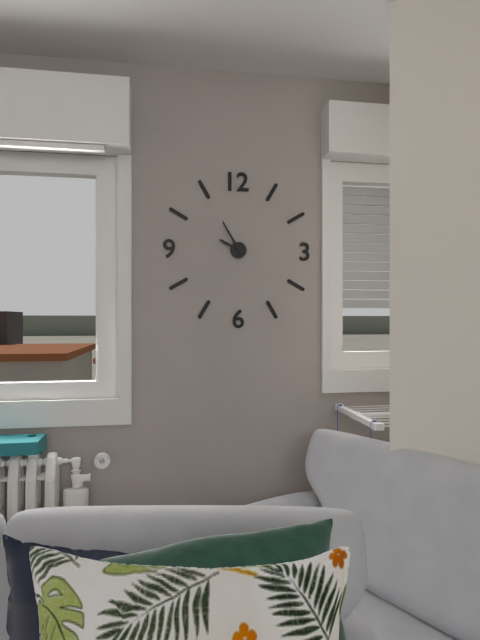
9:55
